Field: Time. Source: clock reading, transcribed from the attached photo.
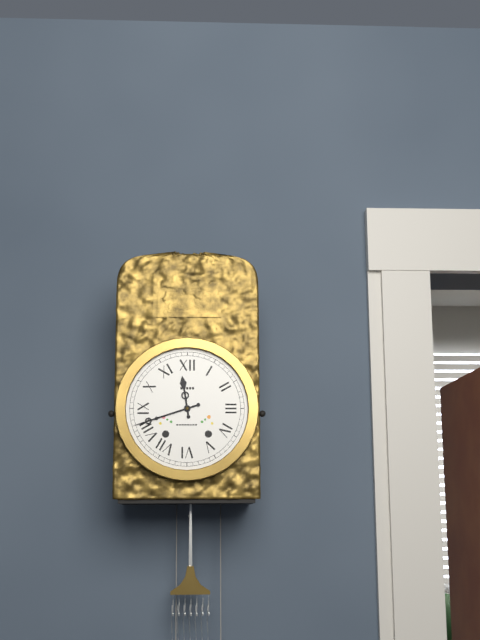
11:42
